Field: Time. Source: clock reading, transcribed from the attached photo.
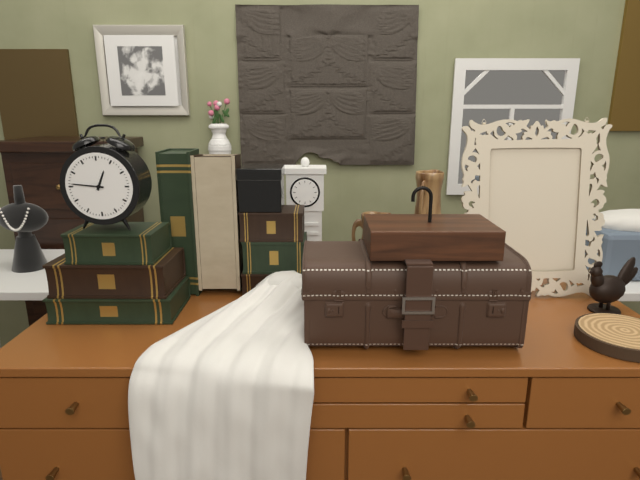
12:46
